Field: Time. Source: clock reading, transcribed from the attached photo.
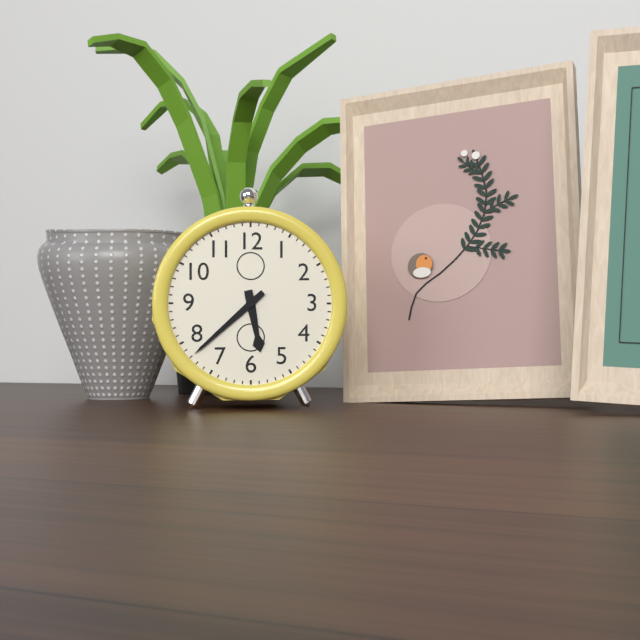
5:38
